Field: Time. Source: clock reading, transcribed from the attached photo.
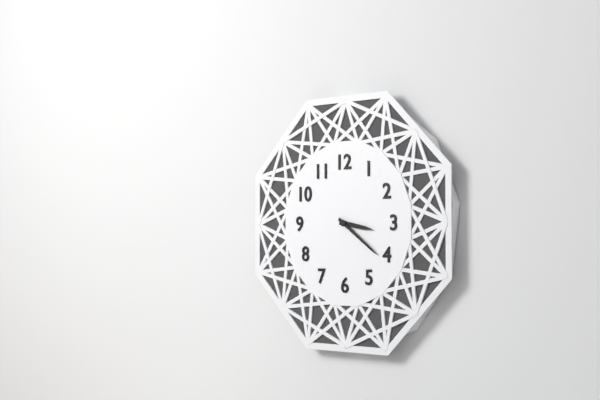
3:21
